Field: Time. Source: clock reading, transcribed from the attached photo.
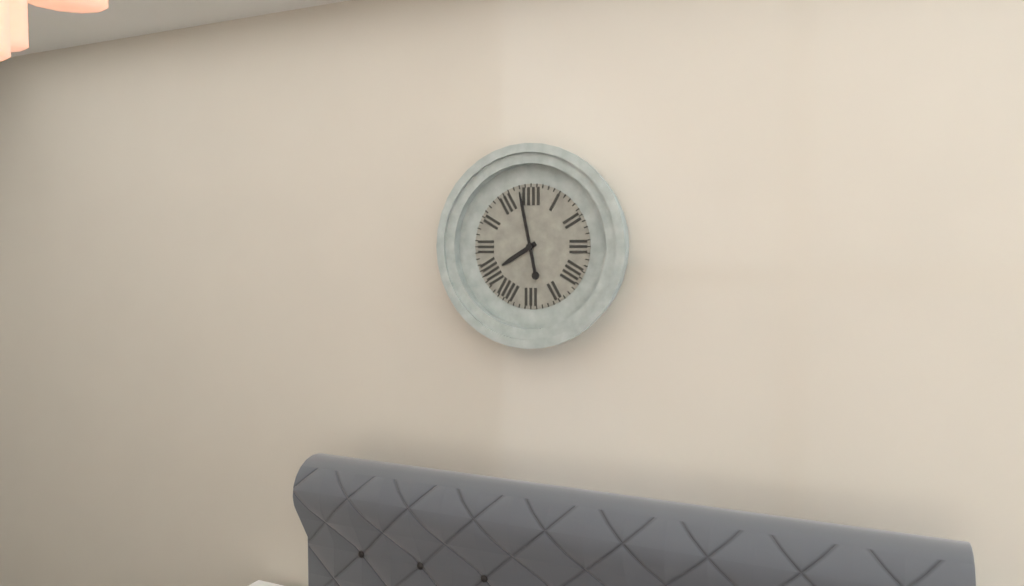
7:58
